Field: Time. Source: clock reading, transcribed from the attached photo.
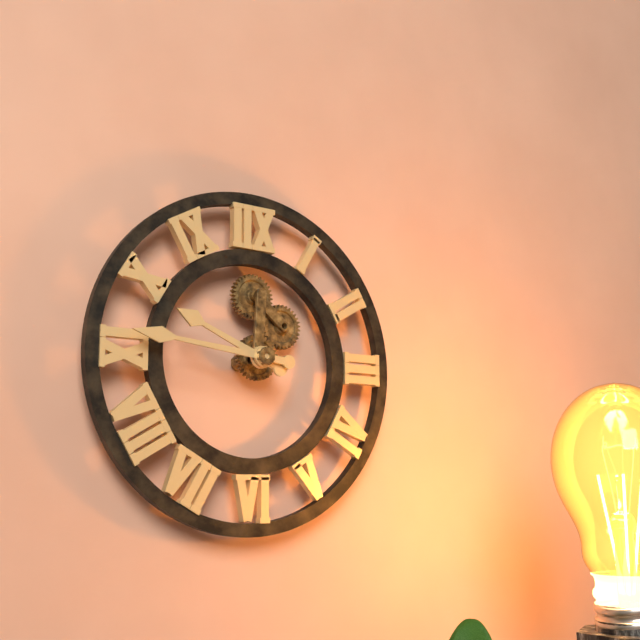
9:46
